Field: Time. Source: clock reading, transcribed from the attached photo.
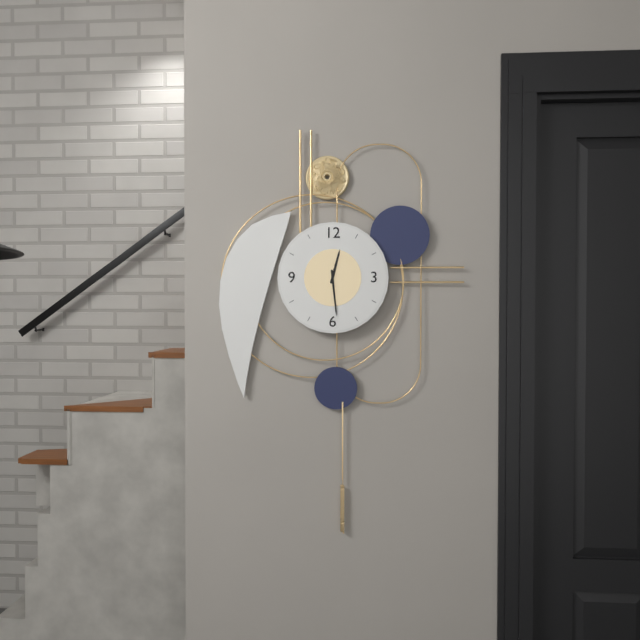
12:29
